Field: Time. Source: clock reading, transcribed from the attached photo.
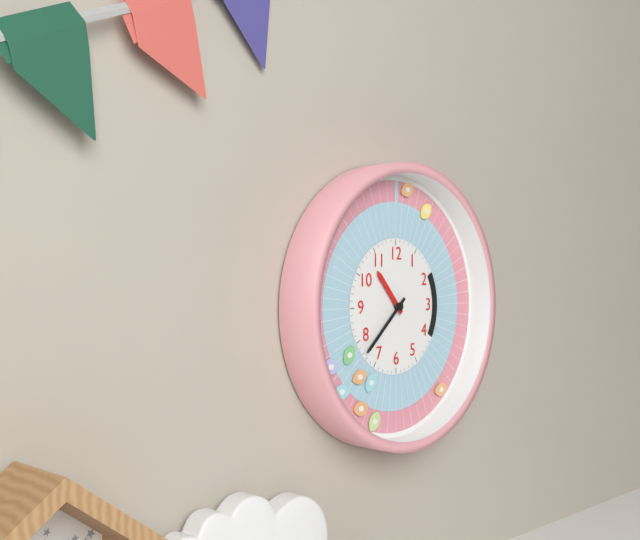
10:38
